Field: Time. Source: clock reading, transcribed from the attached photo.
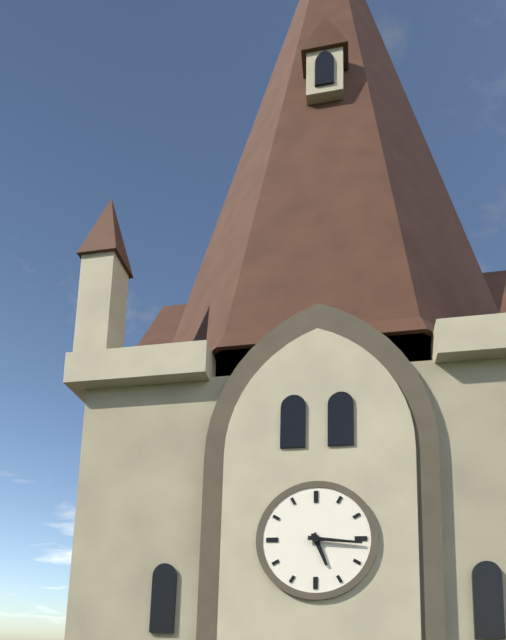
5:16
